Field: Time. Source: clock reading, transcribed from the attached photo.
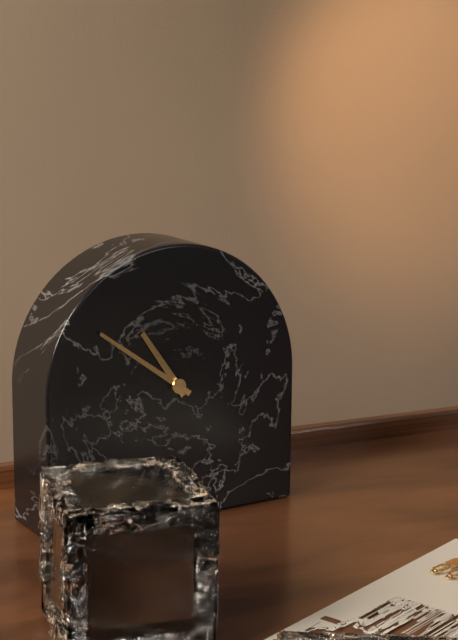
10:51
